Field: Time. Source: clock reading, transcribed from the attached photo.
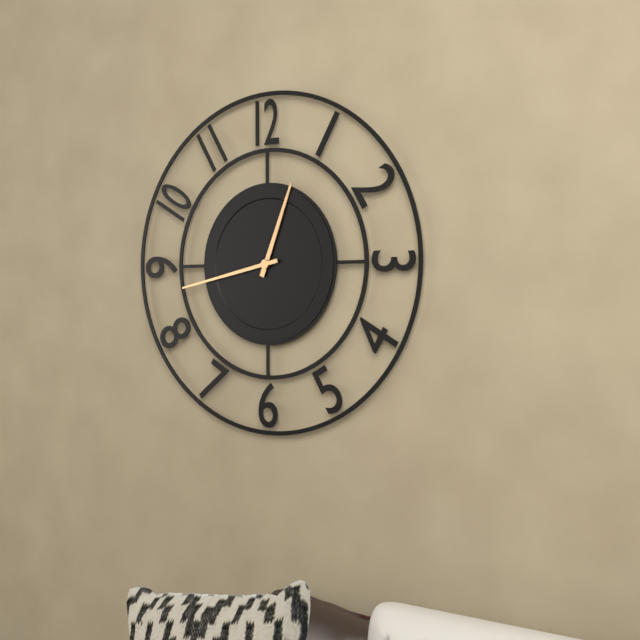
12:43
